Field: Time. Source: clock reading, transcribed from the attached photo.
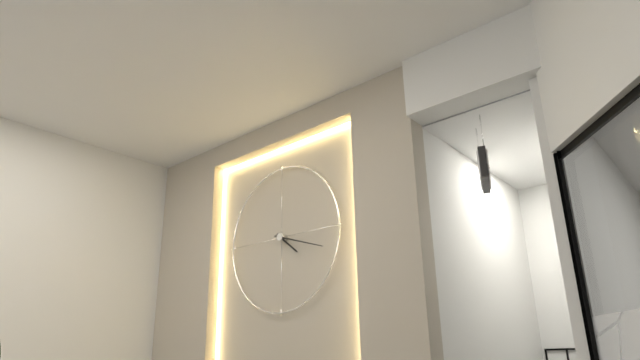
4:18
